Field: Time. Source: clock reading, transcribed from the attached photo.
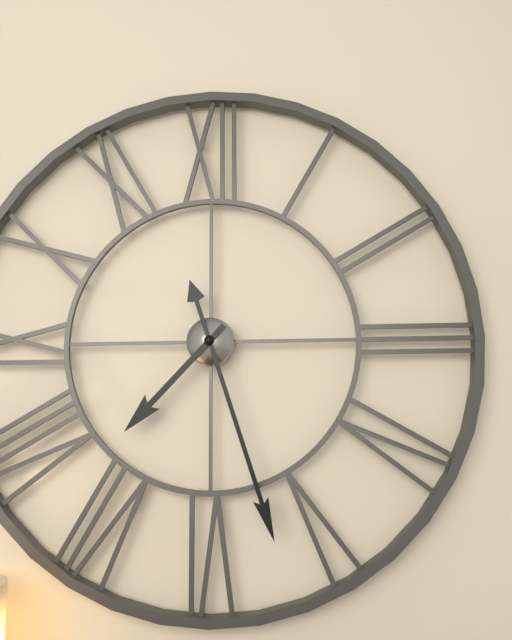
7:27
